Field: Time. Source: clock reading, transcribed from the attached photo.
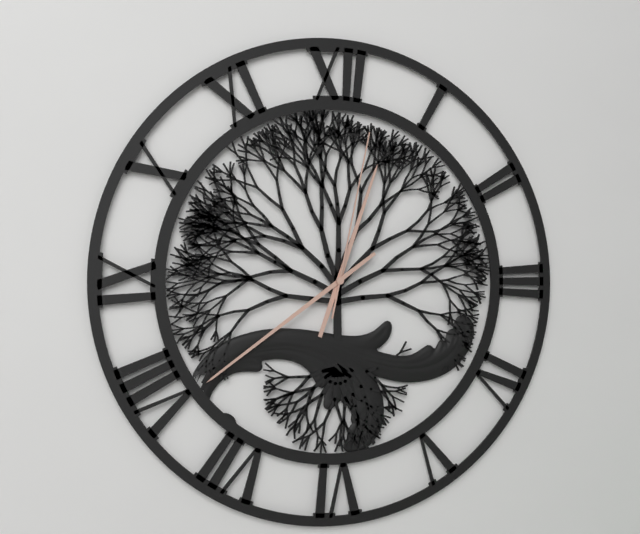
12:39:02
